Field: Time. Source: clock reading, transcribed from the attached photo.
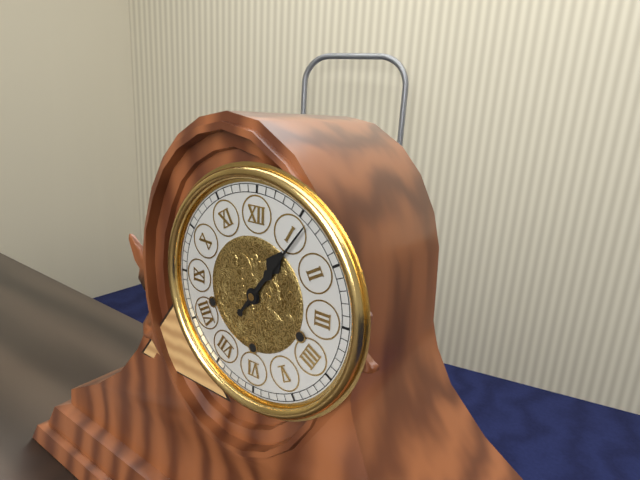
1:06
